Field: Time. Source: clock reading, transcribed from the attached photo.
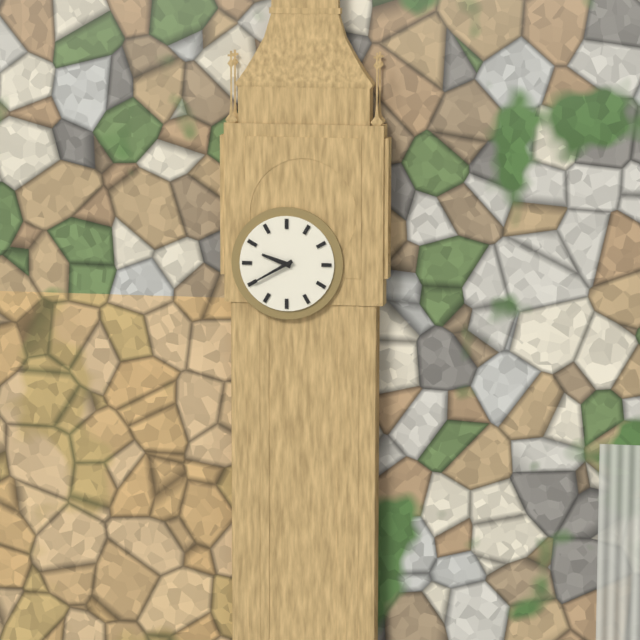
9:40
